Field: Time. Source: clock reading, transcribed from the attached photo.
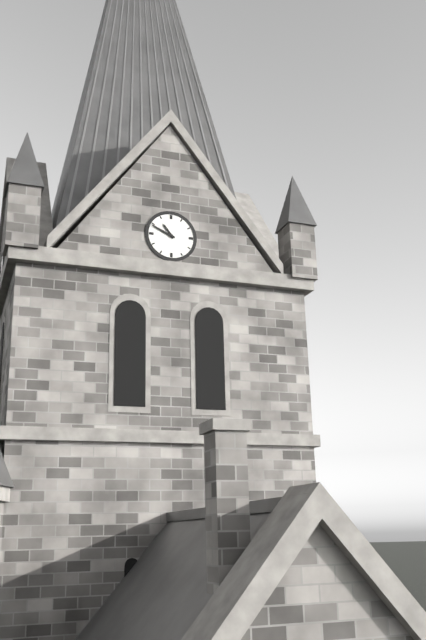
10:49
